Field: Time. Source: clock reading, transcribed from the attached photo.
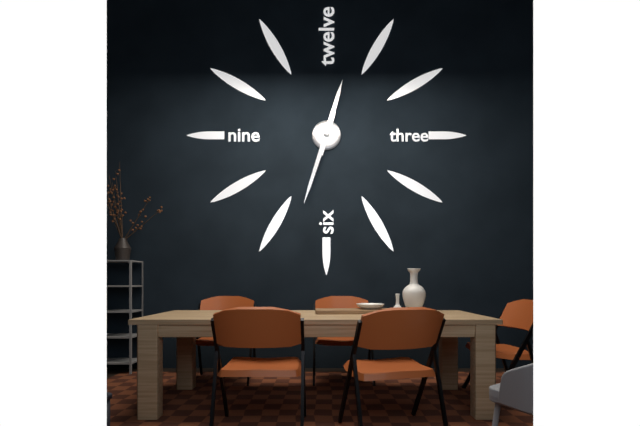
12:33
